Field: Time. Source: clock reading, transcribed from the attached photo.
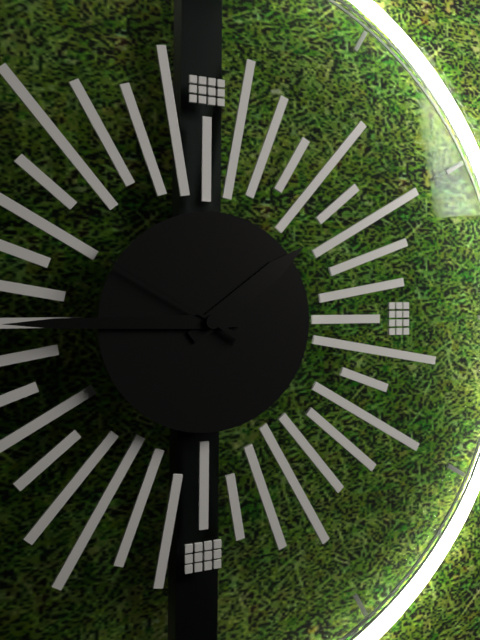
1:45:50
